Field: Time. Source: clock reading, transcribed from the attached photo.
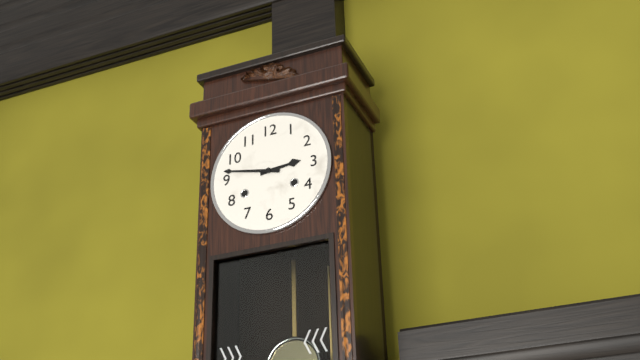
2:47
